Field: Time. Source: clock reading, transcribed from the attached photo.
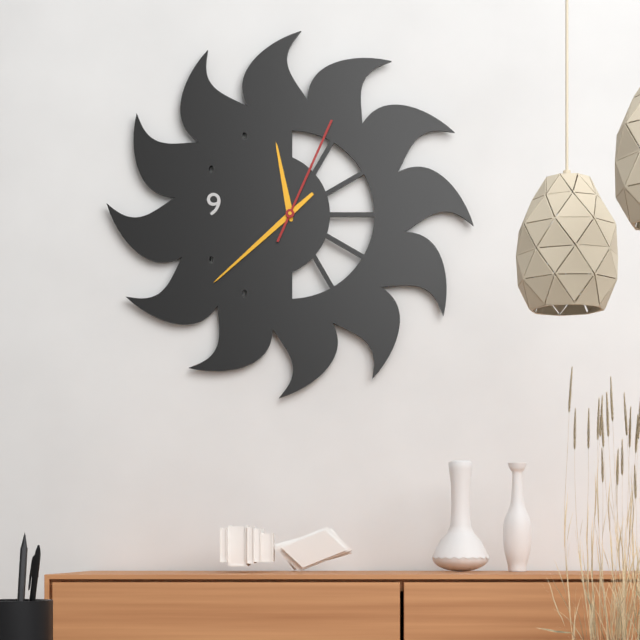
11:38:04
